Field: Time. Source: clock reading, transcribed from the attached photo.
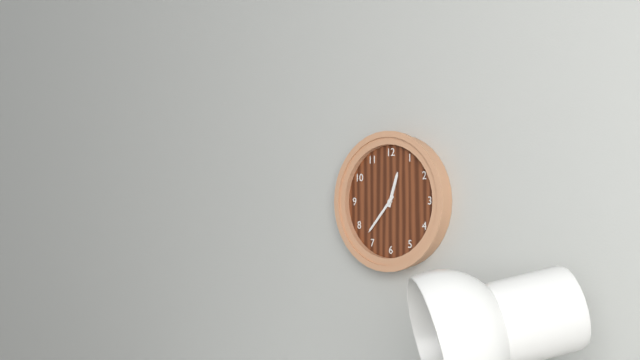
12:37
